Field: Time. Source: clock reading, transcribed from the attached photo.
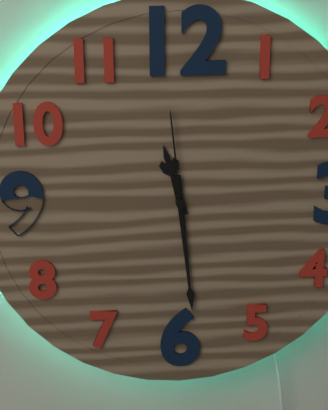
11:29:59
